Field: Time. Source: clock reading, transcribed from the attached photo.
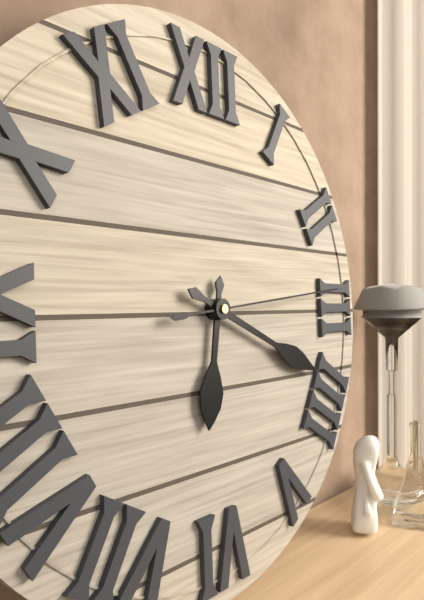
6:19:14
